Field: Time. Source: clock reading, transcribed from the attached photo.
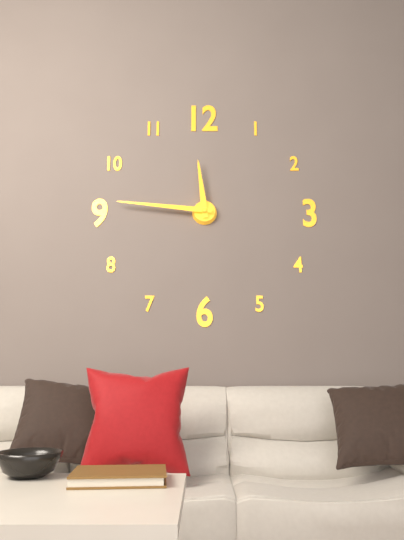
11:46
